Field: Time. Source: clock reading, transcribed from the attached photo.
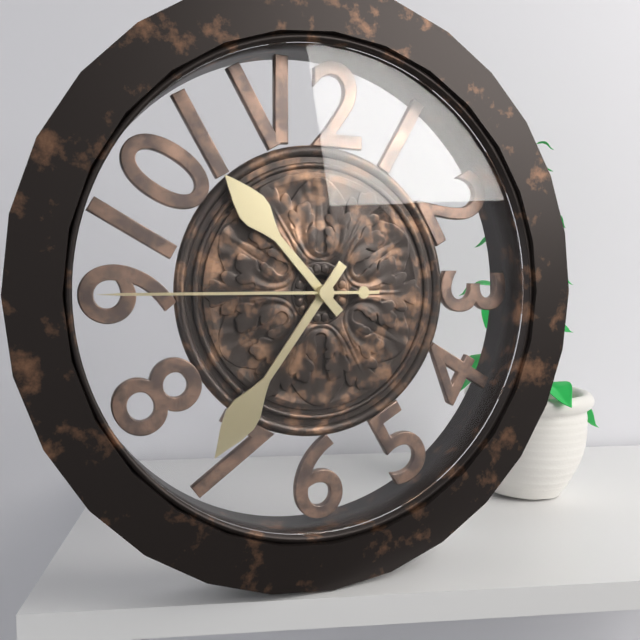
10:36:45
